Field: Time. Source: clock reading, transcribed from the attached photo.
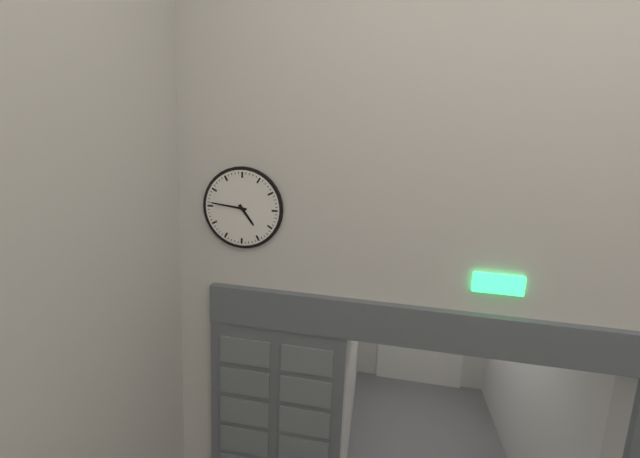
4:46
